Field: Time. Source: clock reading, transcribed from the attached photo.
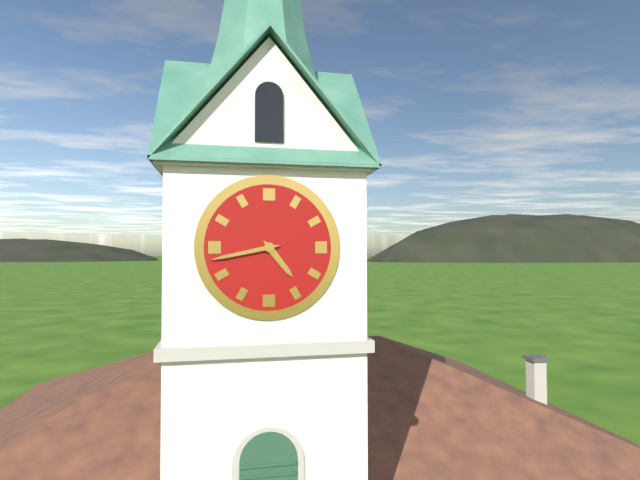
4:43
